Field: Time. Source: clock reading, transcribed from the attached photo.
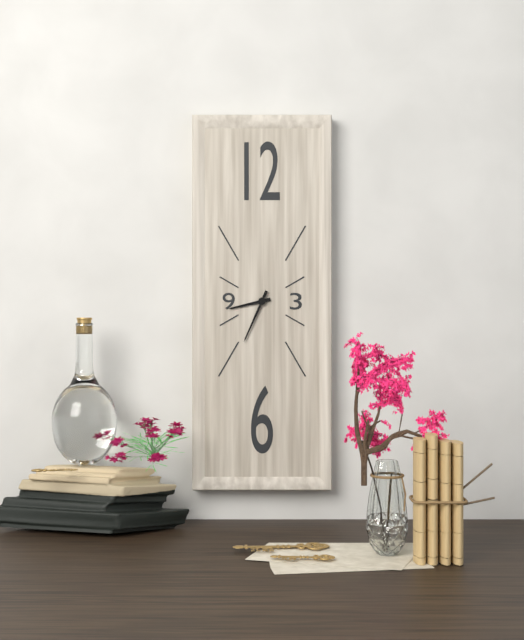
8:34
